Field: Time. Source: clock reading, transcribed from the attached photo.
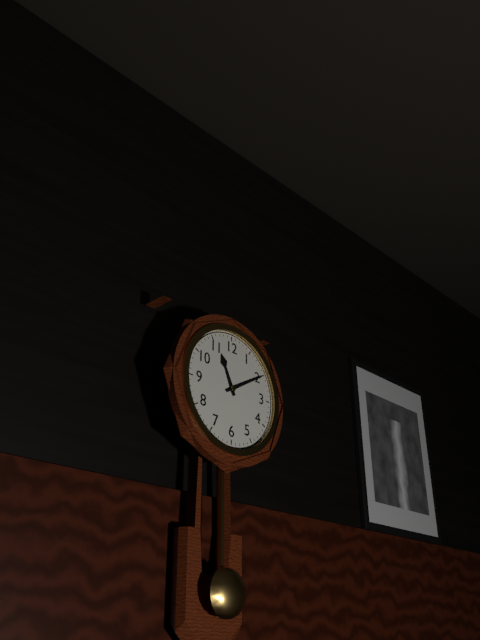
11:10
